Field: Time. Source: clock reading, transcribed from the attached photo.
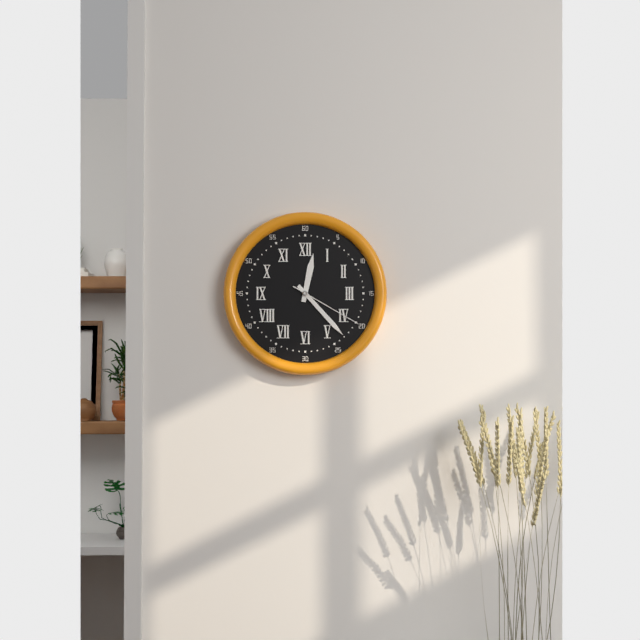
12:23:20
